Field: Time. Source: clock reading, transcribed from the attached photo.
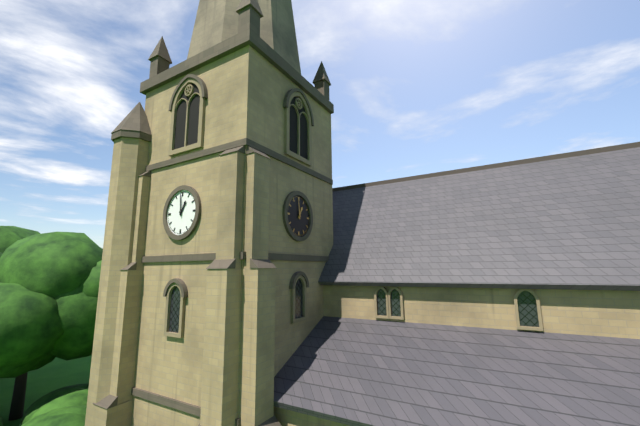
12:59
